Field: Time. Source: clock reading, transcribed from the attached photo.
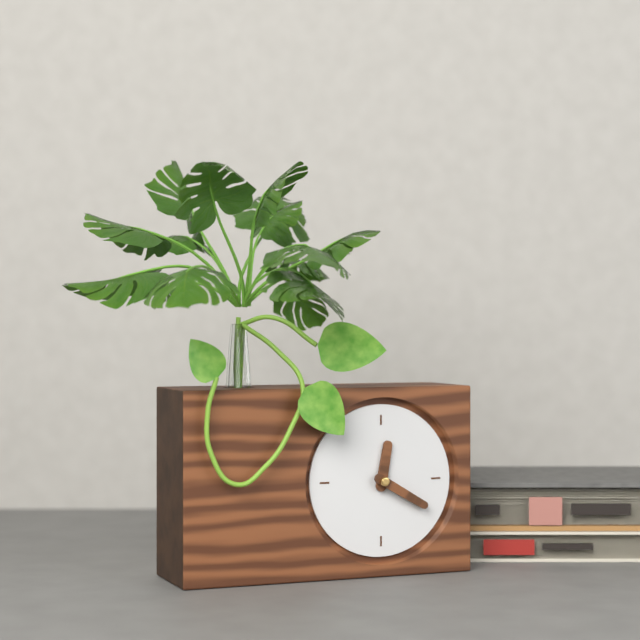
12:20
